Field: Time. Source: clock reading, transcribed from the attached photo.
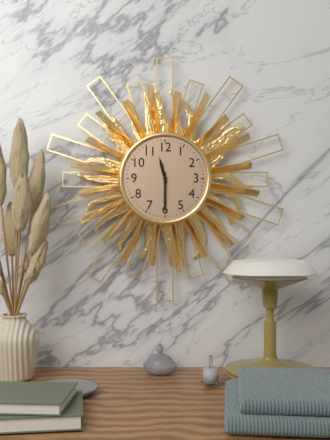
11:30
